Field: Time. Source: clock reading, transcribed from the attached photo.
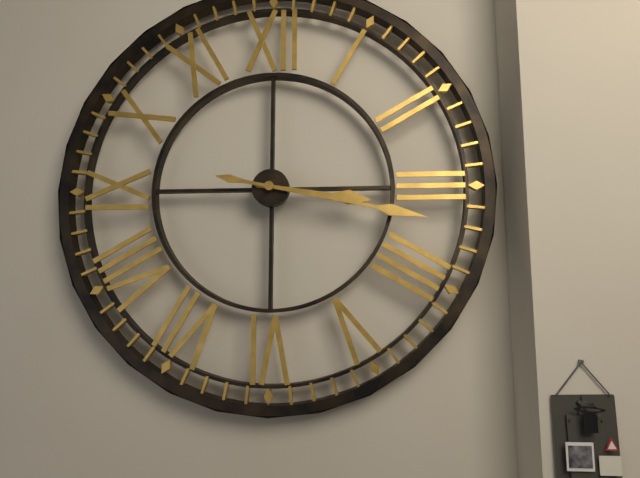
3:17
